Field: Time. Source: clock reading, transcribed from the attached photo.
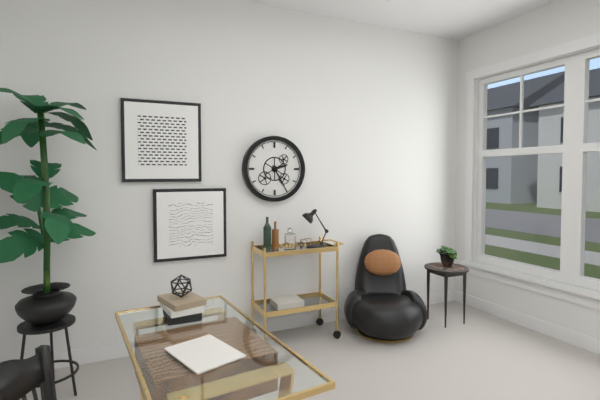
2:25
